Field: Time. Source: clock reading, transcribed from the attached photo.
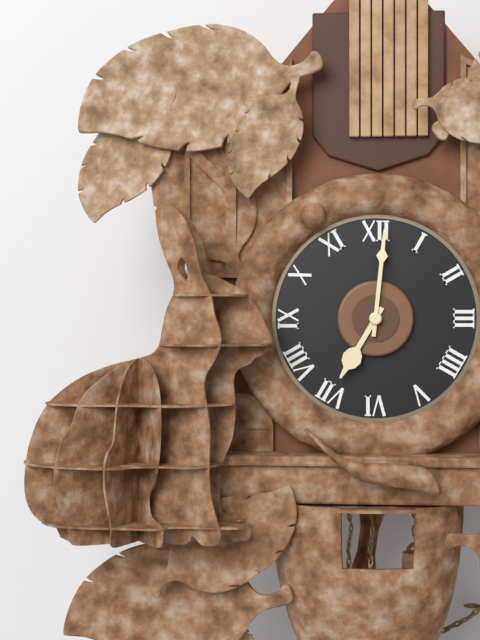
7:01
